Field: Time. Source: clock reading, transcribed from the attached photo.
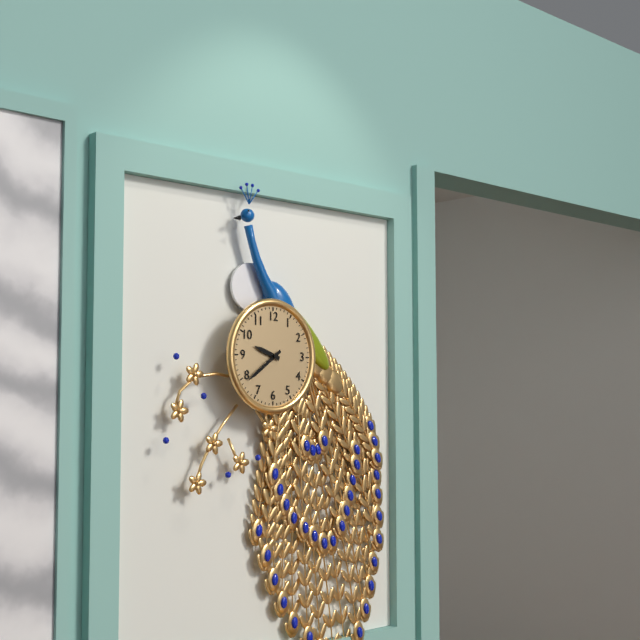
9:39
